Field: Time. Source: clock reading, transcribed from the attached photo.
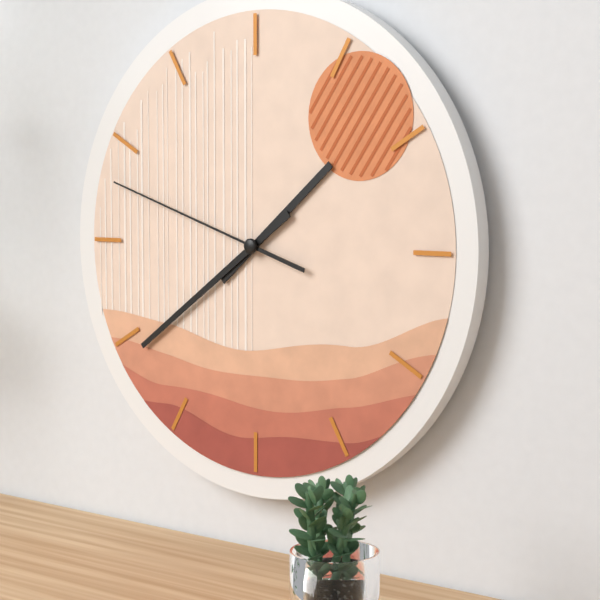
1:39:48
